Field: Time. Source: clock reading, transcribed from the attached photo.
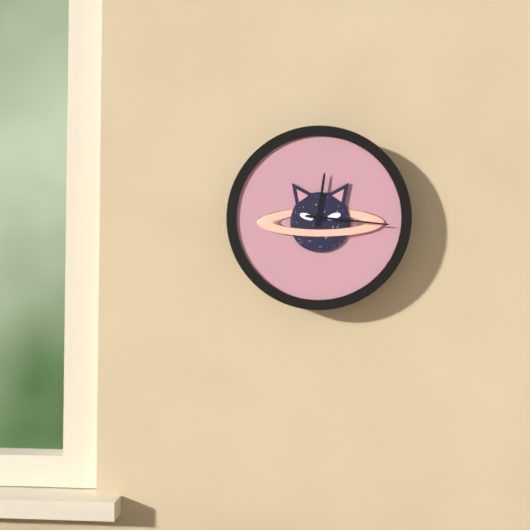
12:16
